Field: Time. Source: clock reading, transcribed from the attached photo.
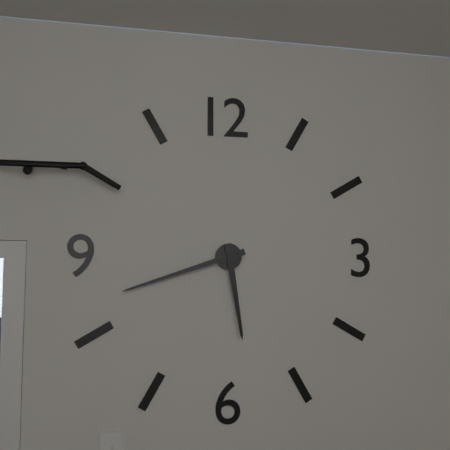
5:42
